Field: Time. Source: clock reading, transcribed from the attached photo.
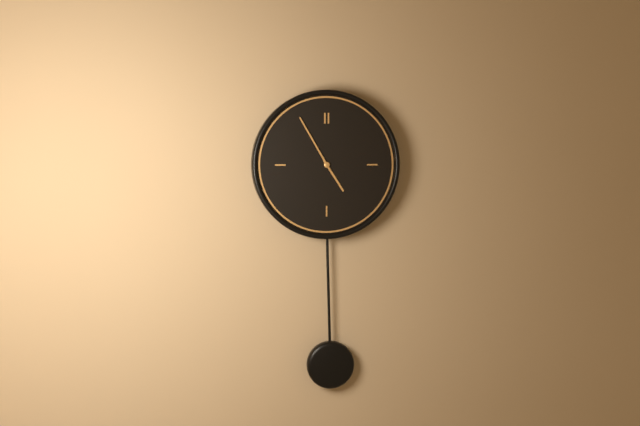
4:55
